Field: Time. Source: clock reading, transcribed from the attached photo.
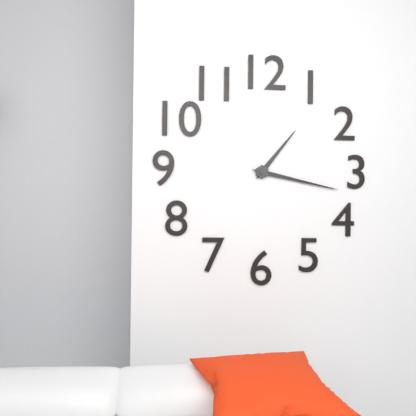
1:17
